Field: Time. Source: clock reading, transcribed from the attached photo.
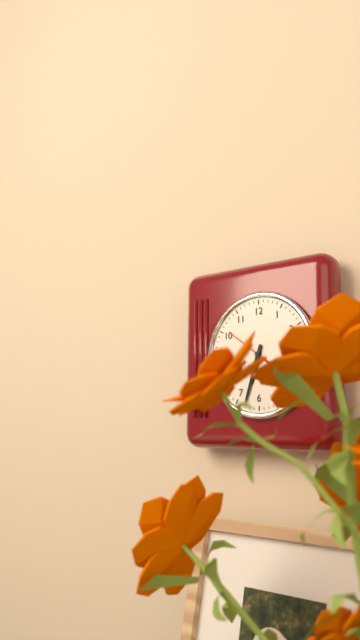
6:33
